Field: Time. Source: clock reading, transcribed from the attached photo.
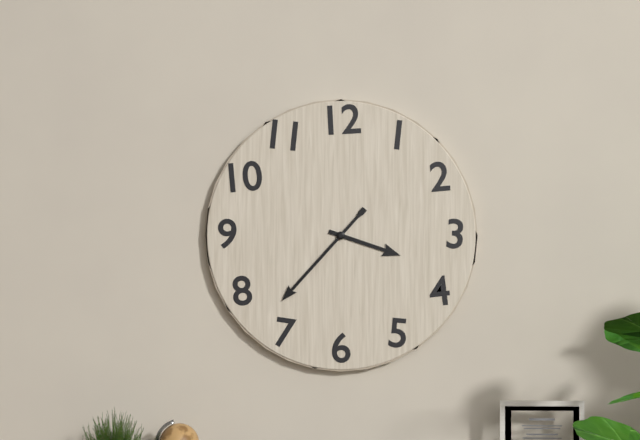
3:37
